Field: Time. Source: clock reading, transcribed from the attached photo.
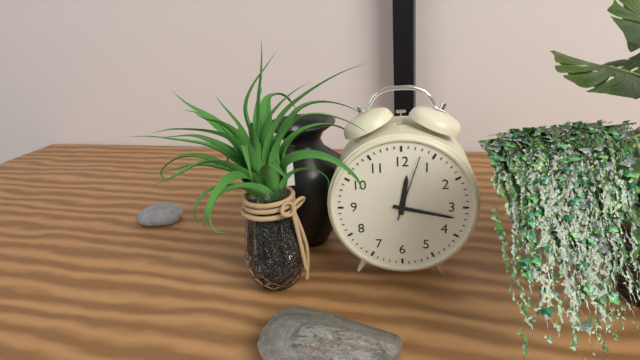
12:17:03
